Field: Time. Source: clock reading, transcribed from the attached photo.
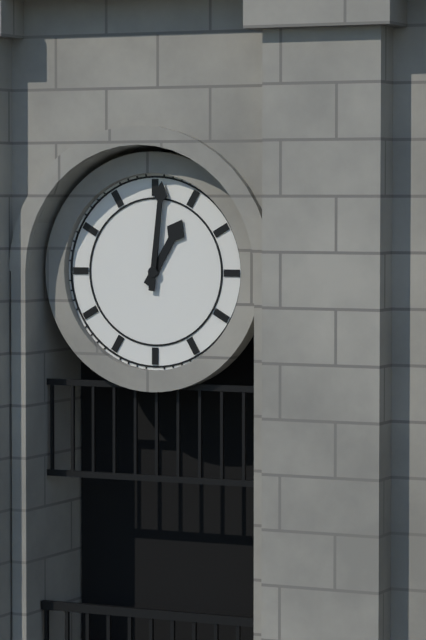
1:01
